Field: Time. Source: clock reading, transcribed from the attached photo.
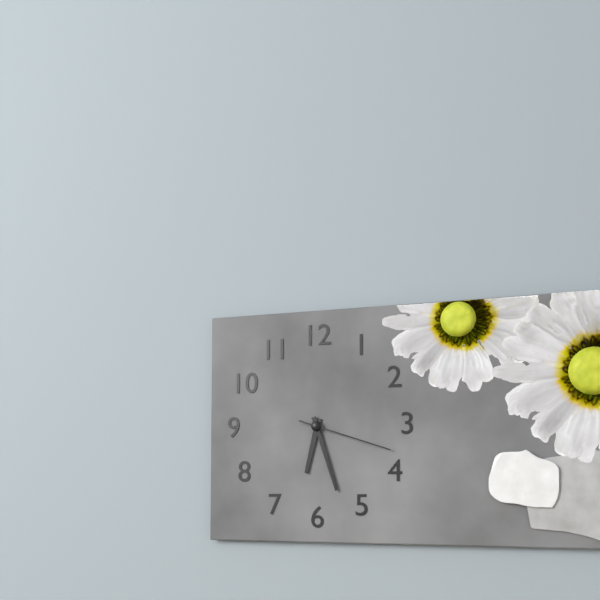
6:27:18
